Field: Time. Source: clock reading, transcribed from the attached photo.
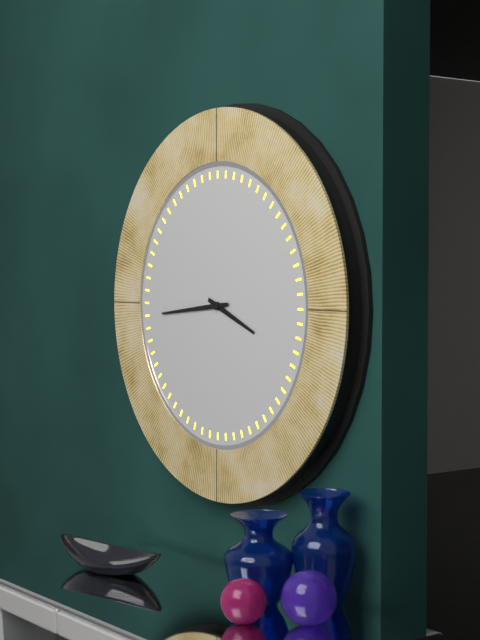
3:44
